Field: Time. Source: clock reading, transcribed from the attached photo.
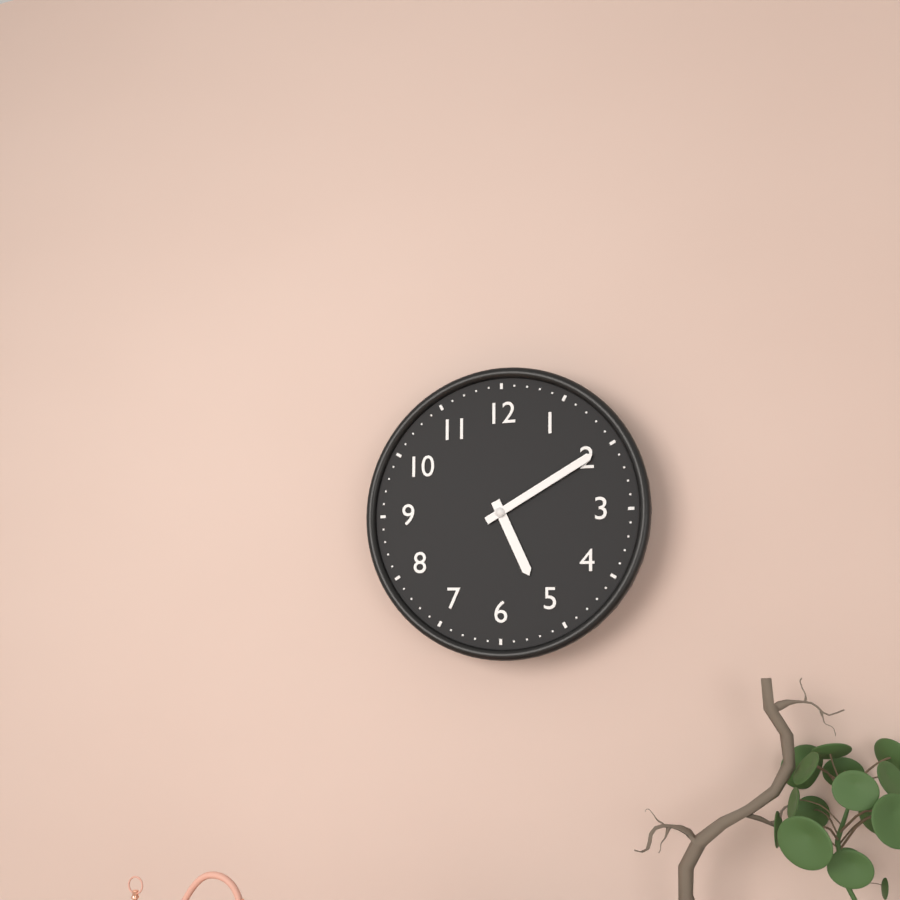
5:10
